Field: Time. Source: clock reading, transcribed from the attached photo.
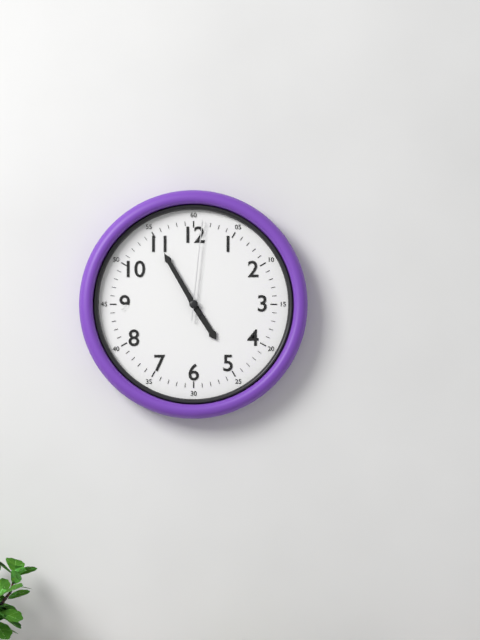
4:55:01
